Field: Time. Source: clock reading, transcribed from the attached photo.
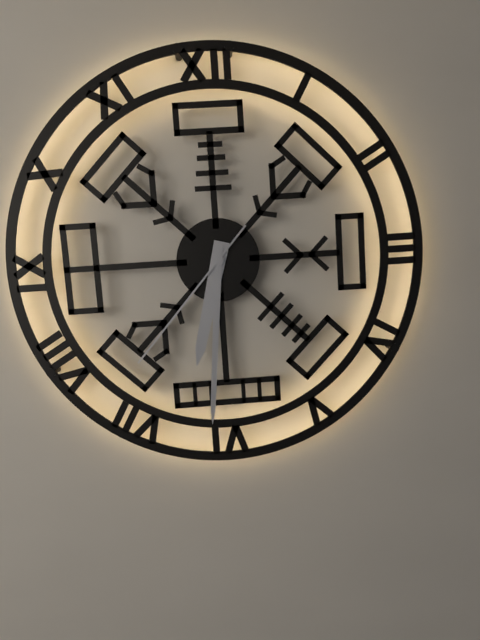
6:31:37
